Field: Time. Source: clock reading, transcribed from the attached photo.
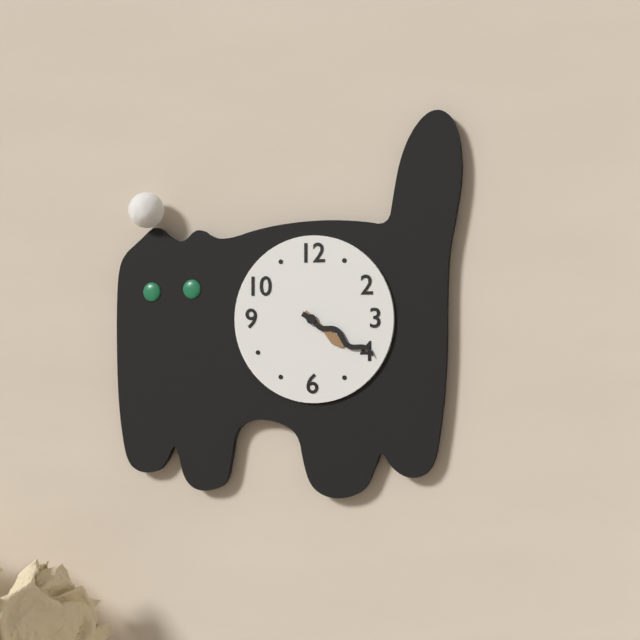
4:20
